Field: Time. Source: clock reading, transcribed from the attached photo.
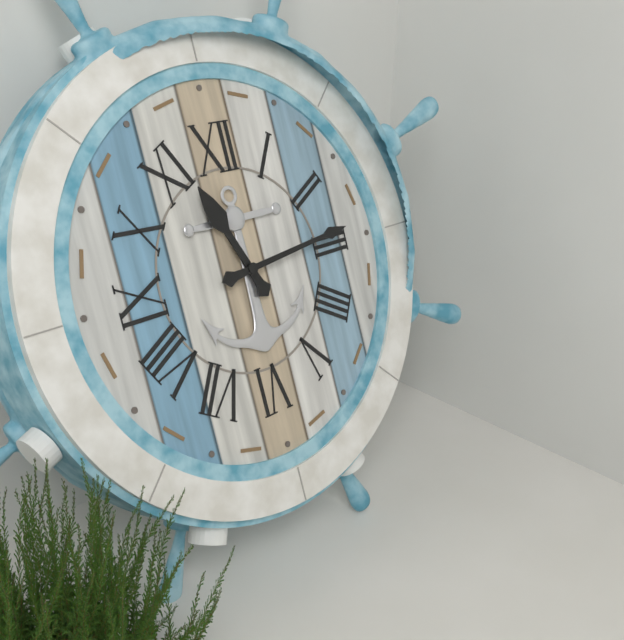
11:14
